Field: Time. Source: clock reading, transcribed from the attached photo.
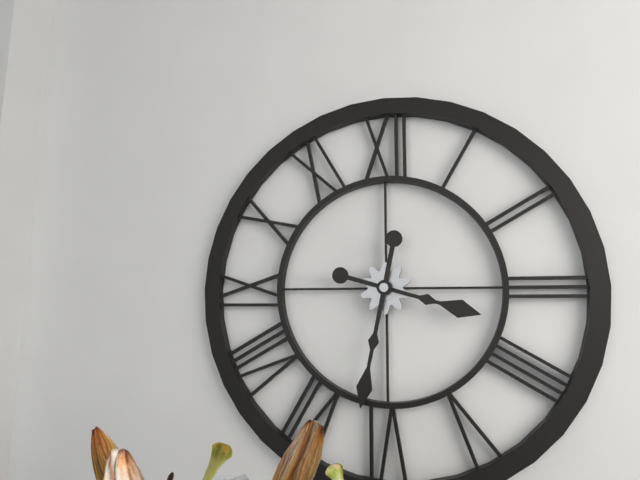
3:32
